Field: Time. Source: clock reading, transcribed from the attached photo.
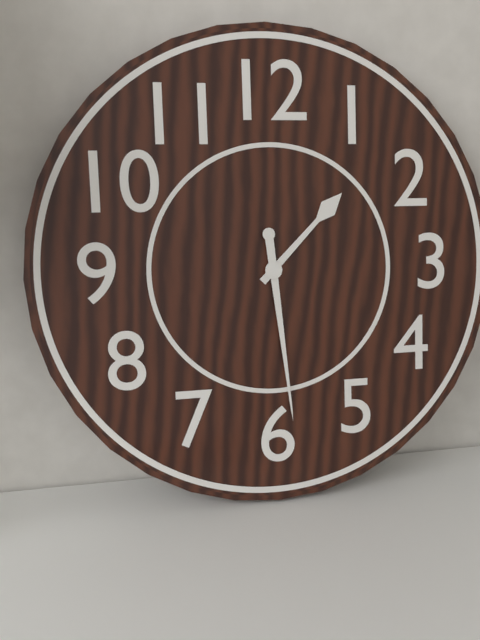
1:29
